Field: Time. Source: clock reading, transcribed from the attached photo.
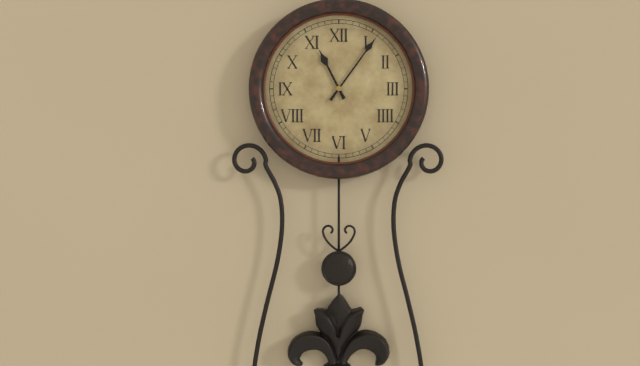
11:06
